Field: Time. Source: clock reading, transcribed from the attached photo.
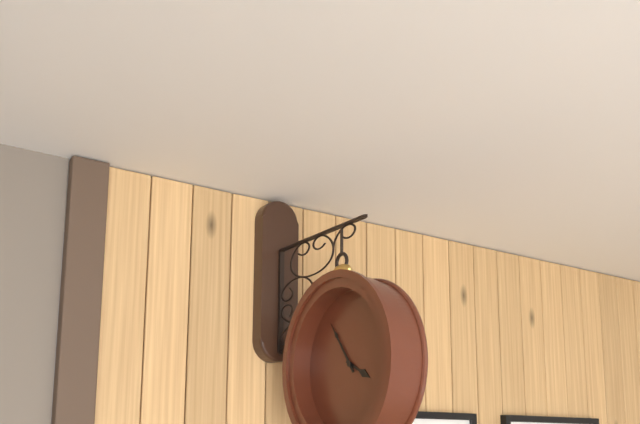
3:54
